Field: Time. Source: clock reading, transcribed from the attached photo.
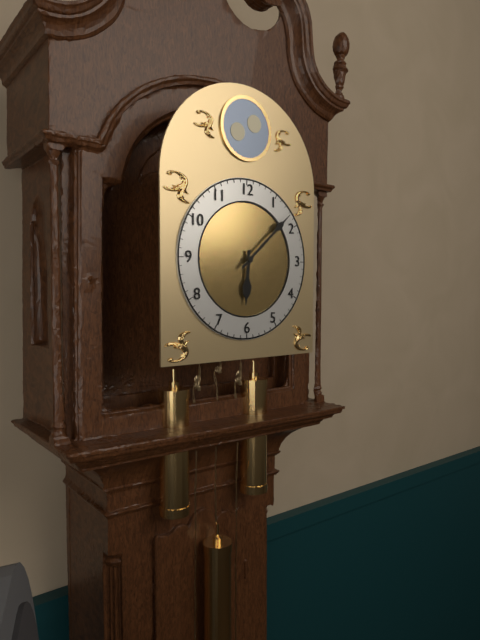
6:08
